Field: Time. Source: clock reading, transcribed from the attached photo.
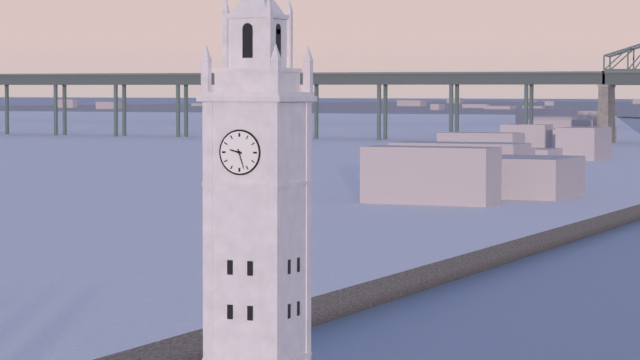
9:27
